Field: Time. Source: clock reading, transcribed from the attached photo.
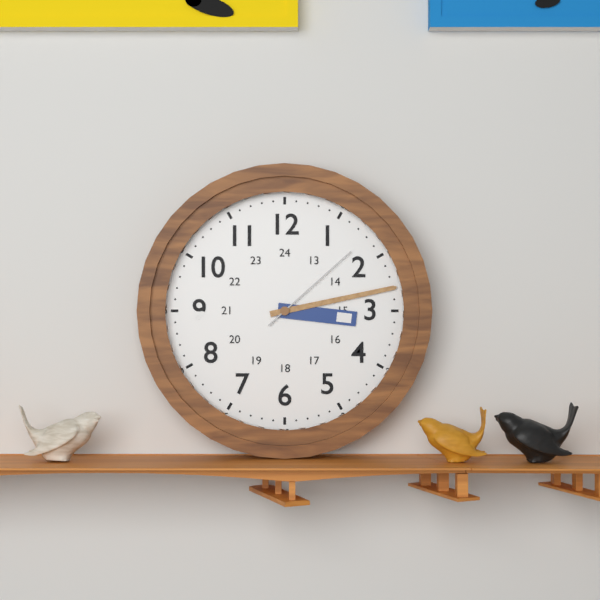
3:13:08
